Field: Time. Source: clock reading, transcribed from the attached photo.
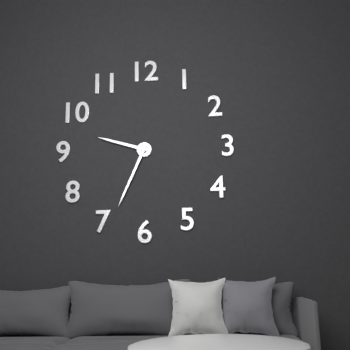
9:34
